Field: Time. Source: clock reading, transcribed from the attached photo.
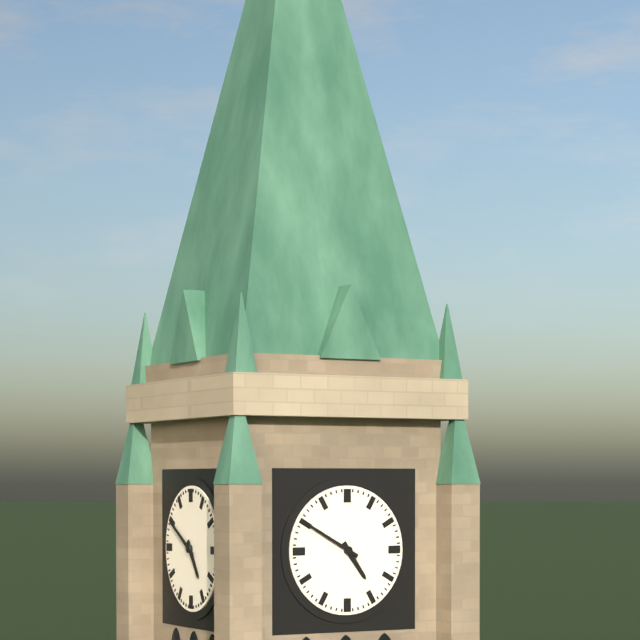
4:50
